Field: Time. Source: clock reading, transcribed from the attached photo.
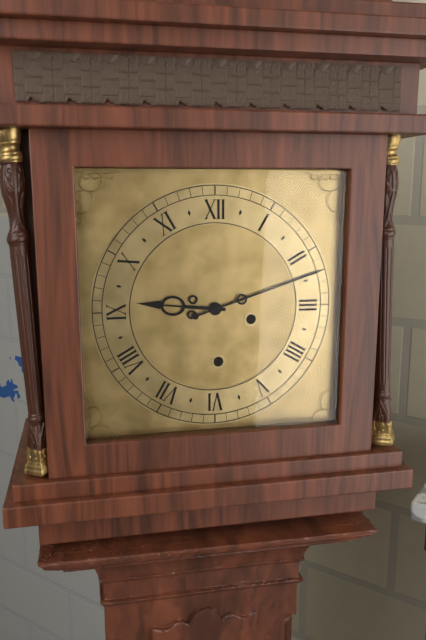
9:12
